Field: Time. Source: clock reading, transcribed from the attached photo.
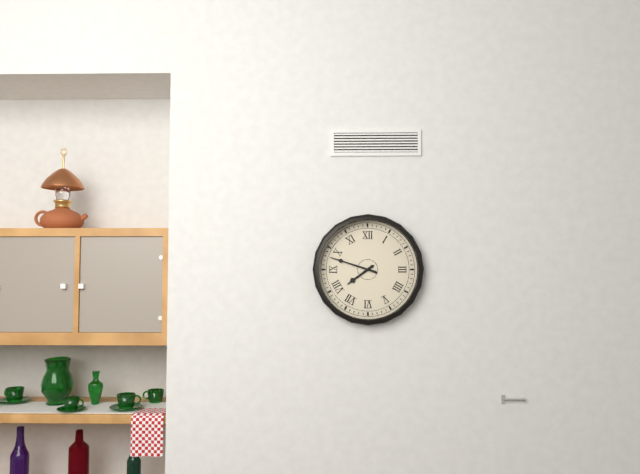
7:48
